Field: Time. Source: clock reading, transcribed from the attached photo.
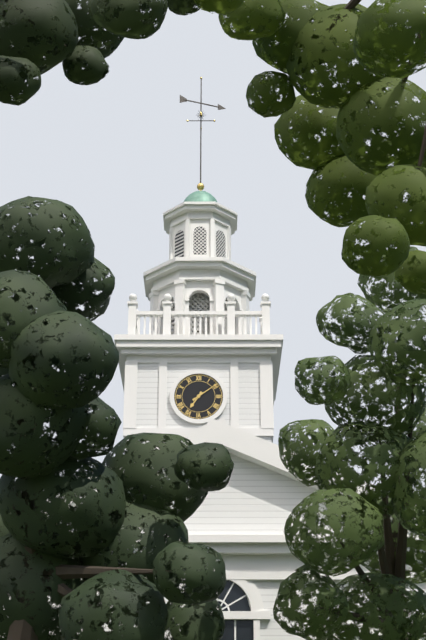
7:09
